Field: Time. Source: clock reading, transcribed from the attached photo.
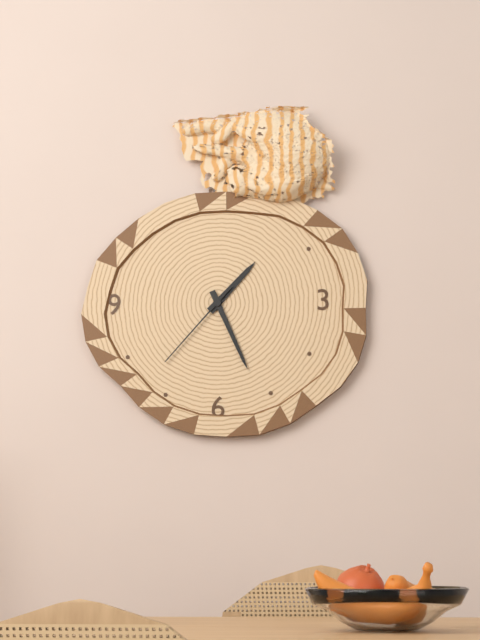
1:26:37
